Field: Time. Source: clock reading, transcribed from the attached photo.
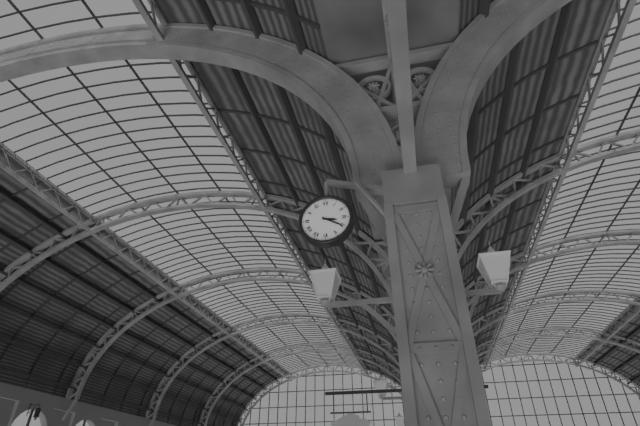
3:20
